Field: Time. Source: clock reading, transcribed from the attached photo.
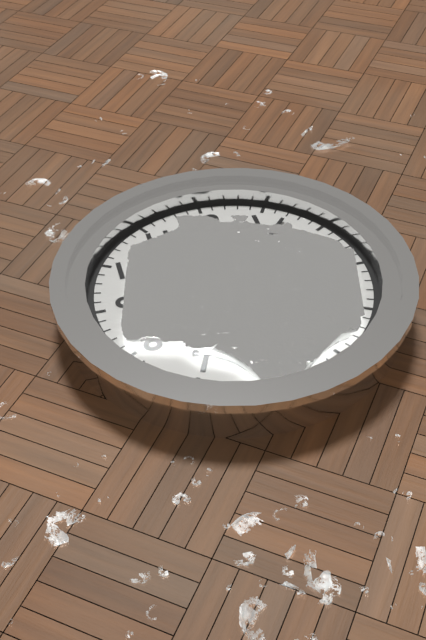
12:07
